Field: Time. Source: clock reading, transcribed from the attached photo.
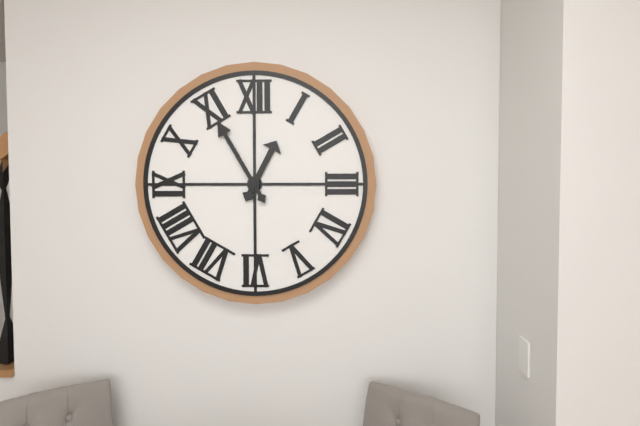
12:55
